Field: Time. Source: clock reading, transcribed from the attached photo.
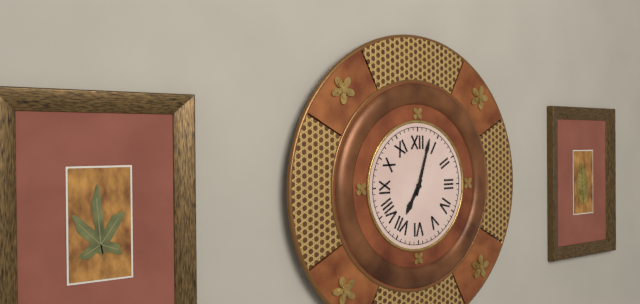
7:03
